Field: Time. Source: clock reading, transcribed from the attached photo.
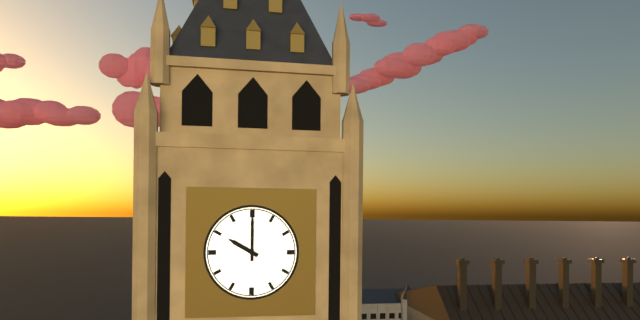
10:00
